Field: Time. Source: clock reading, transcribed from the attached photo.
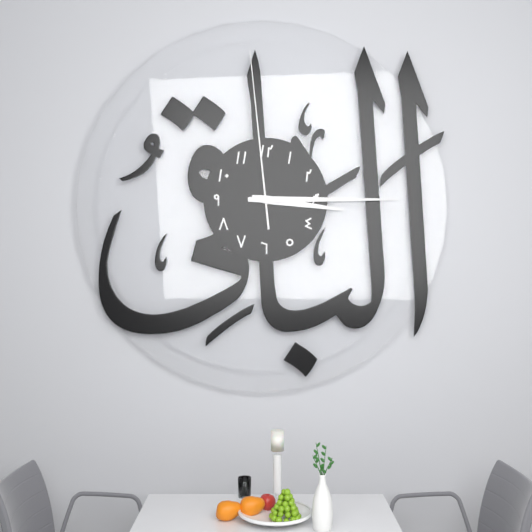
3:15:59
